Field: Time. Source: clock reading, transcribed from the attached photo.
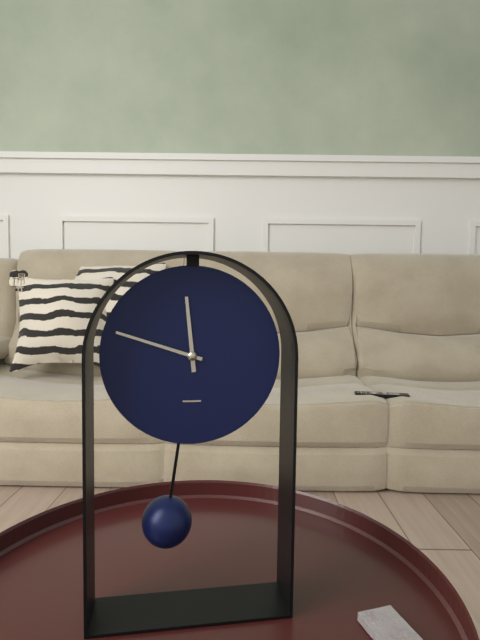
11:48
